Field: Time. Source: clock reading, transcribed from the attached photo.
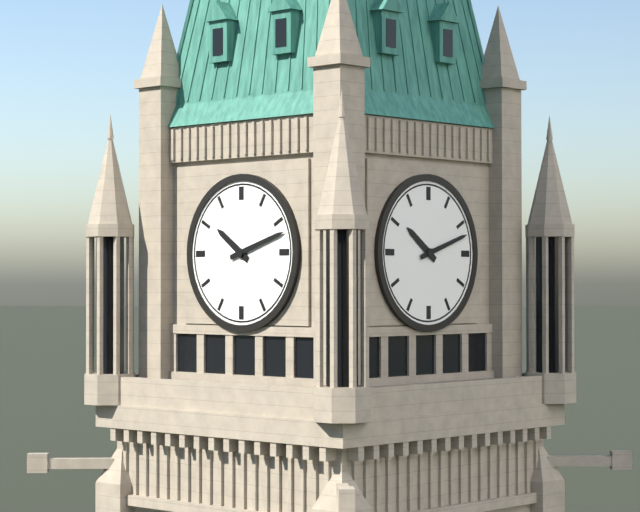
10:12
